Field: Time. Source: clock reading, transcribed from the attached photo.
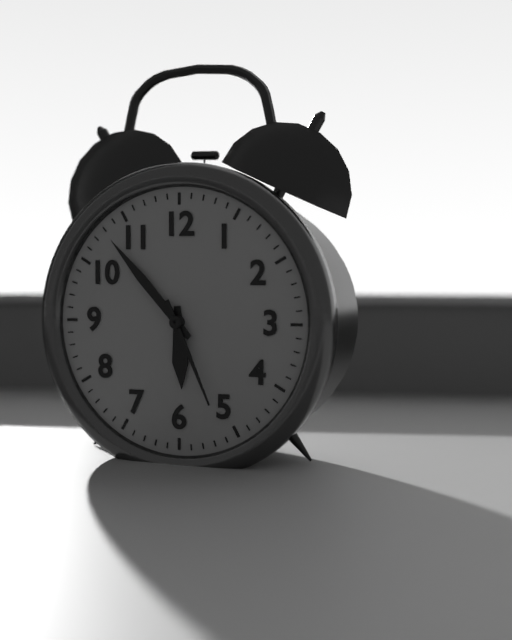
5:53:26
